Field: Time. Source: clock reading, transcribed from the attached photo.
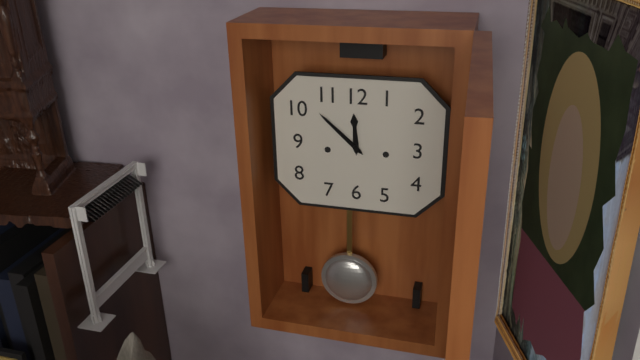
11:52
